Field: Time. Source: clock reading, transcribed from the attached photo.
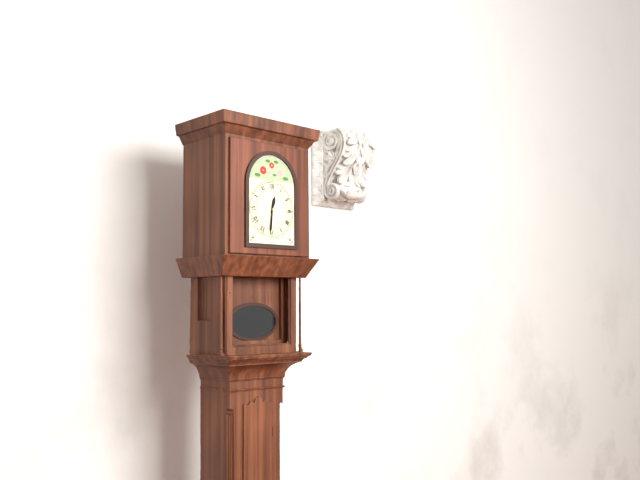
12:31
